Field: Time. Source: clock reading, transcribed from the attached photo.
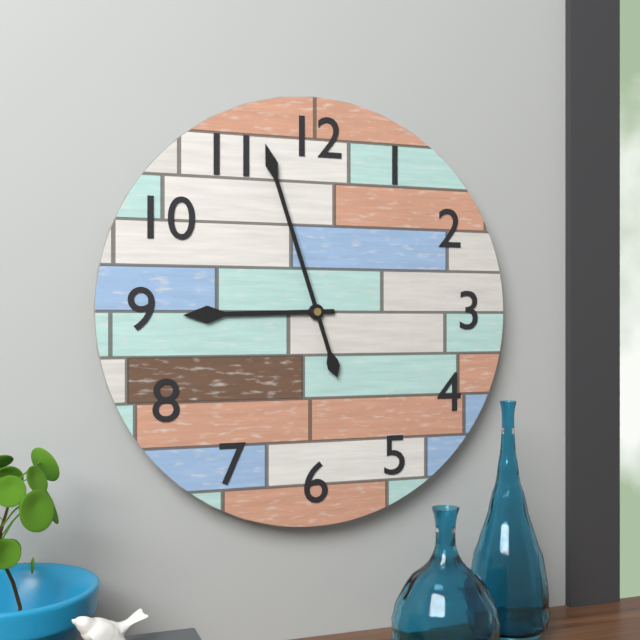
8:57
